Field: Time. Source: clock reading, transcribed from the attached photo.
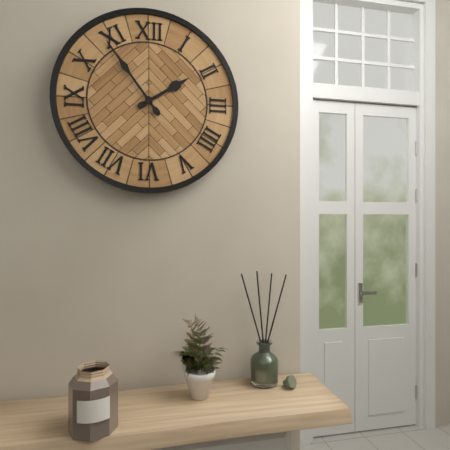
1:54
